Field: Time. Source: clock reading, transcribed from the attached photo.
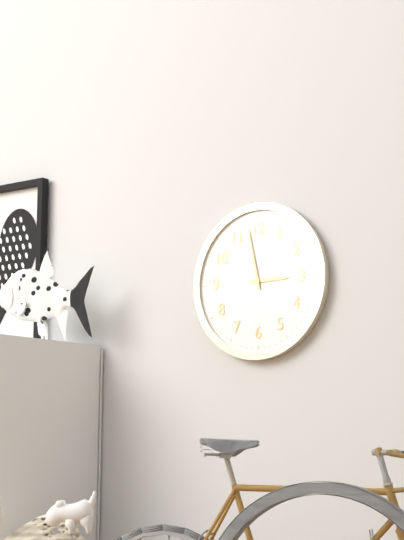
2:58
